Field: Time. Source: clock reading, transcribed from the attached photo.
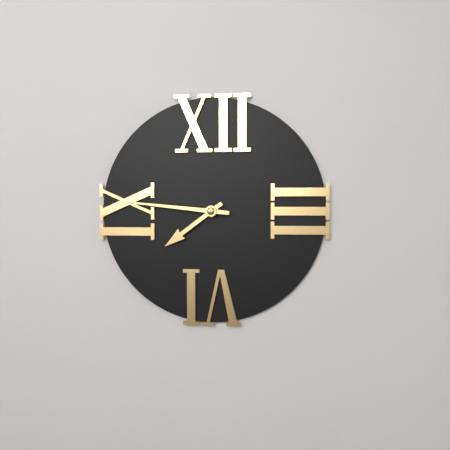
7:46
